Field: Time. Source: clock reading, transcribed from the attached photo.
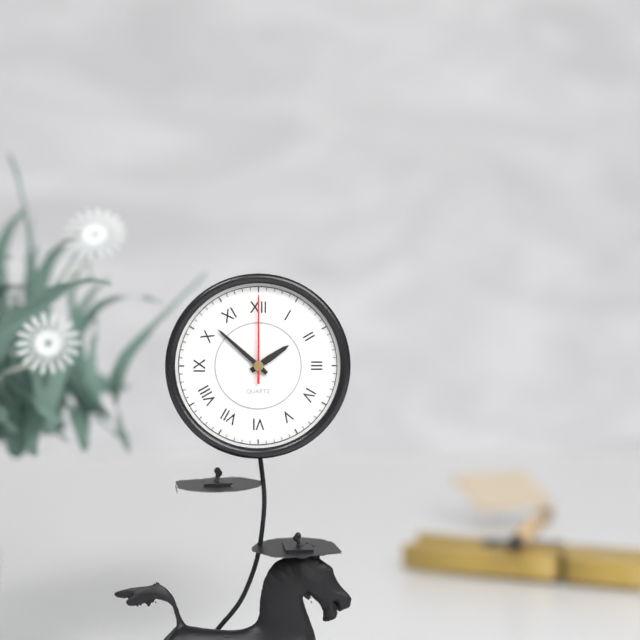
1:52:00
